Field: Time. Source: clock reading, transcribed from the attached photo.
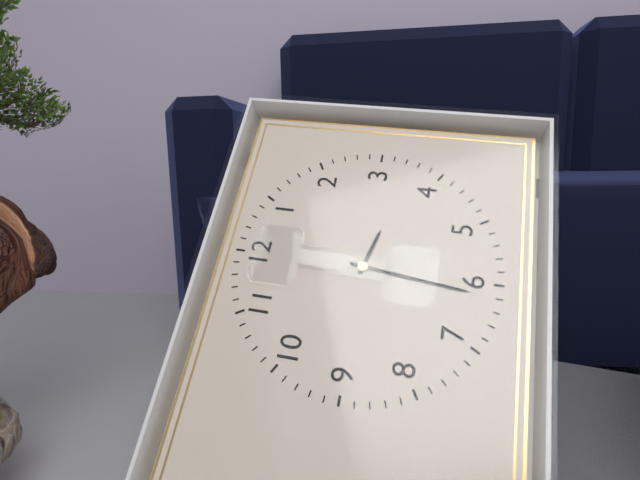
3:31
